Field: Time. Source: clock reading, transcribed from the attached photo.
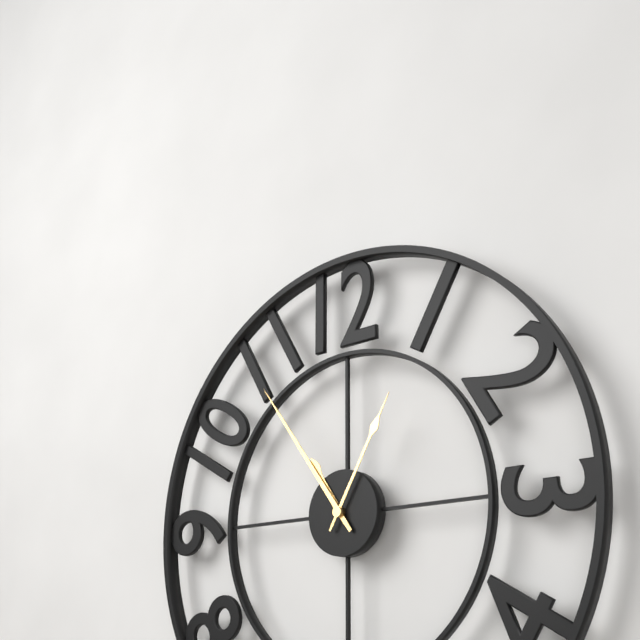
10:54:05
